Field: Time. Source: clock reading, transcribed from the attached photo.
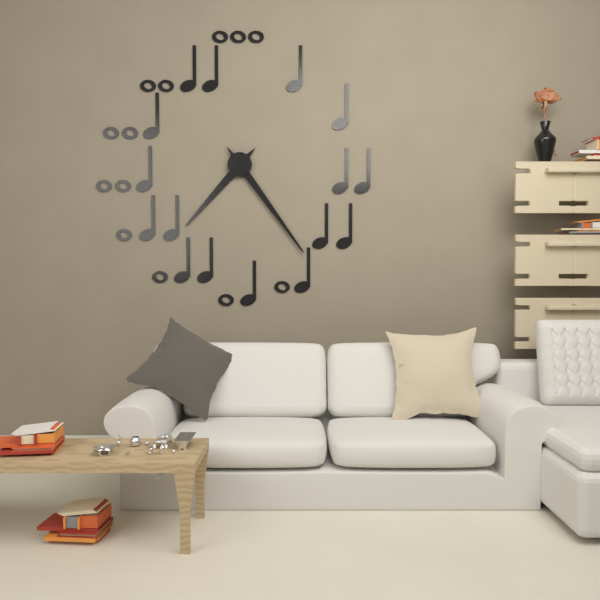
7:24
